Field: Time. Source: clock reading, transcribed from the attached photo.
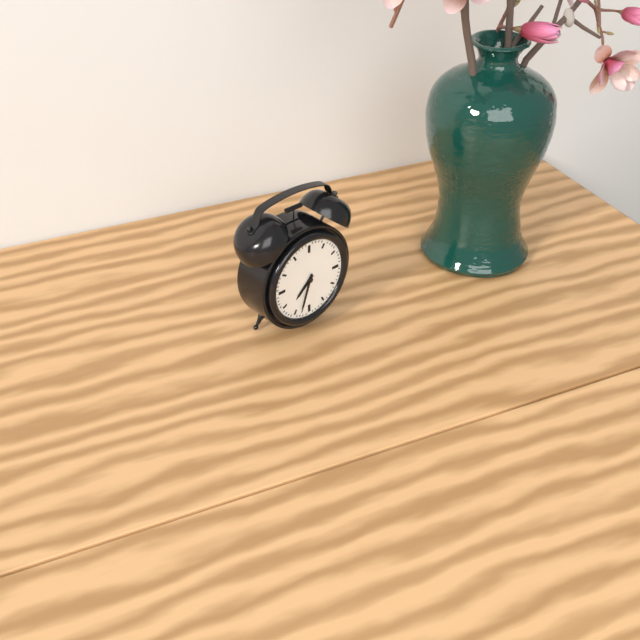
7:33
